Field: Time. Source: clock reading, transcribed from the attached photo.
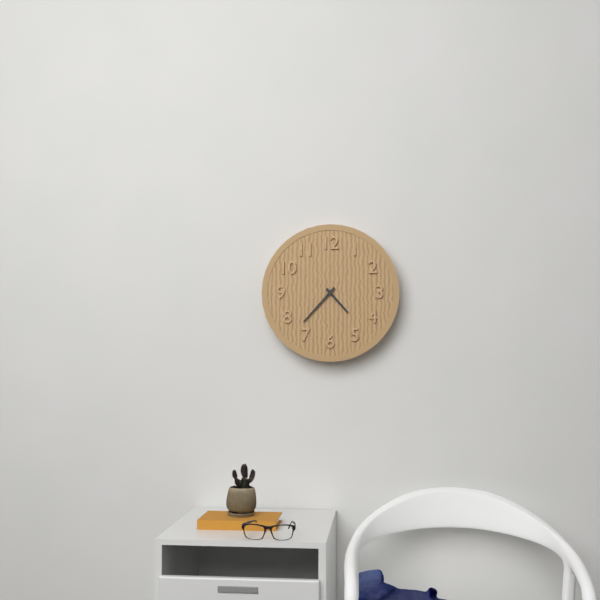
4:37
